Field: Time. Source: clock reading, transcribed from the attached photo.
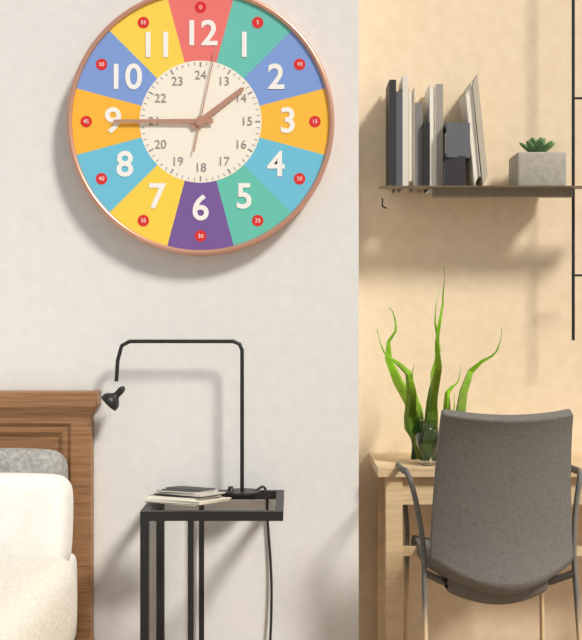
1:45:02
